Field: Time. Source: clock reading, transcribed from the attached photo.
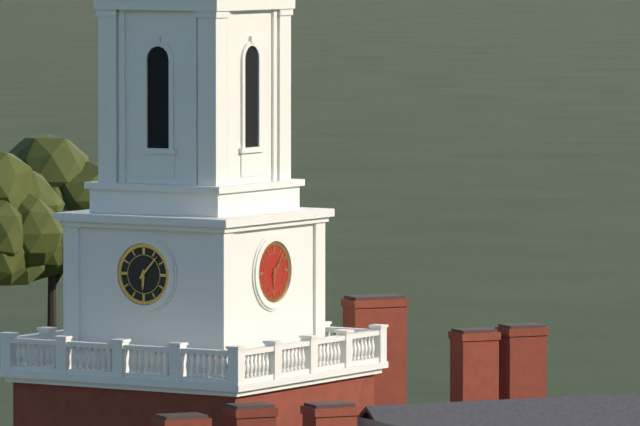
6:07
